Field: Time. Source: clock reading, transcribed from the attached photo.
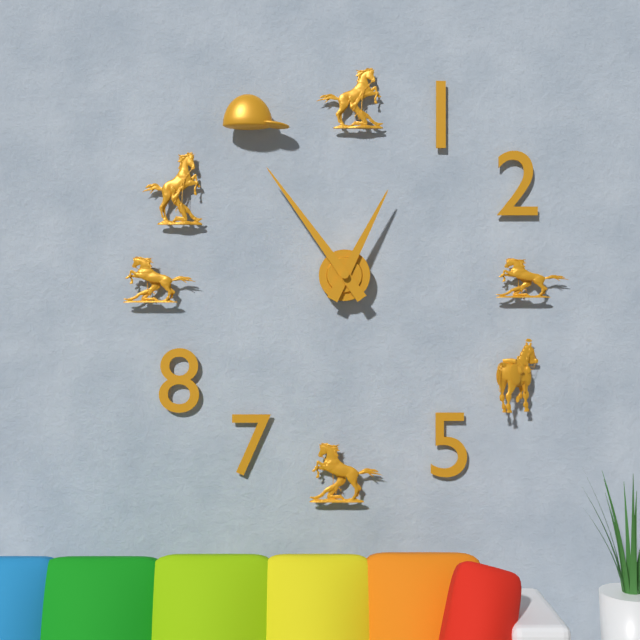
12:54
